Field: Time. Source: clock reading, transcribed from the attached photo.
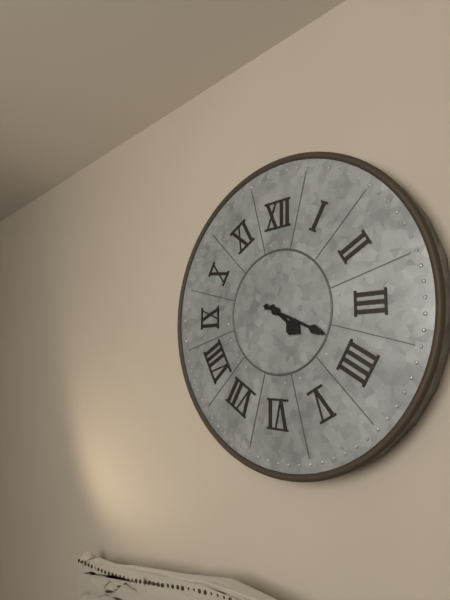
4:19
